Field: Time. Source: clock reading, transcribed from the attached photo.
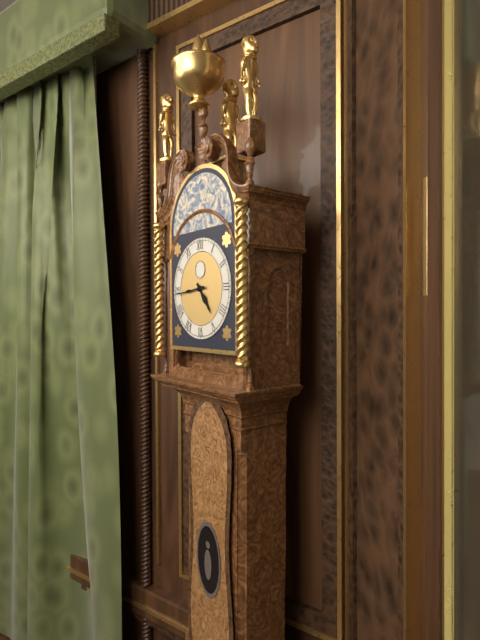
4:44
